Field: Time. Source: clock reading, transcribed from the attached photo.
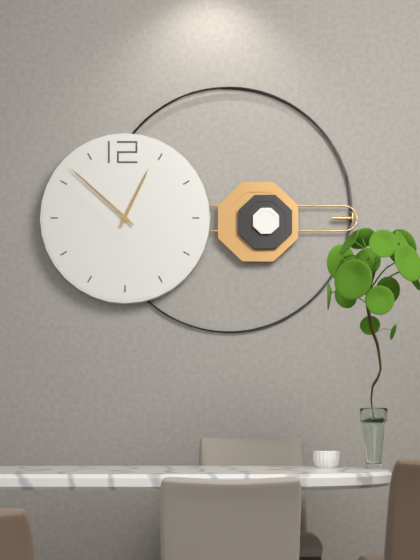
12:52
